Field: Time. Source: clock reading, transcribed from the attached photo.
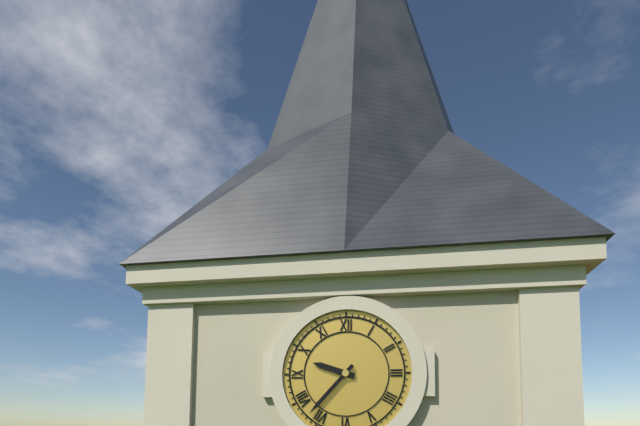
9:37
